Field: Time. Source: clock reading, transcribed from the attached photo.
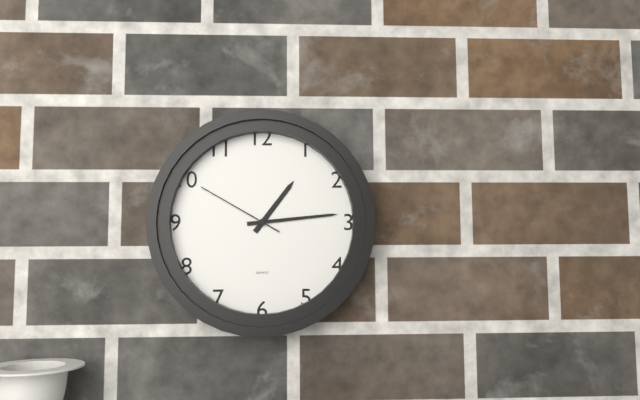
1:14:50
